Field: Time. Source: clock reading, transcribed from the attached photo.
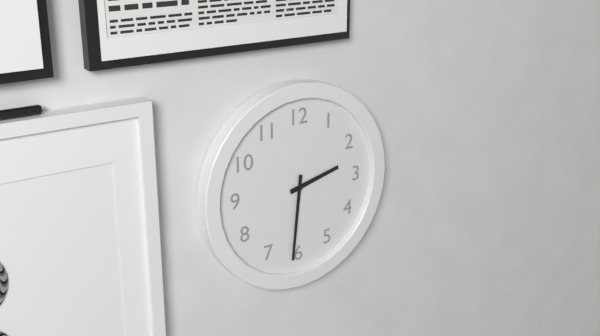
2:31
